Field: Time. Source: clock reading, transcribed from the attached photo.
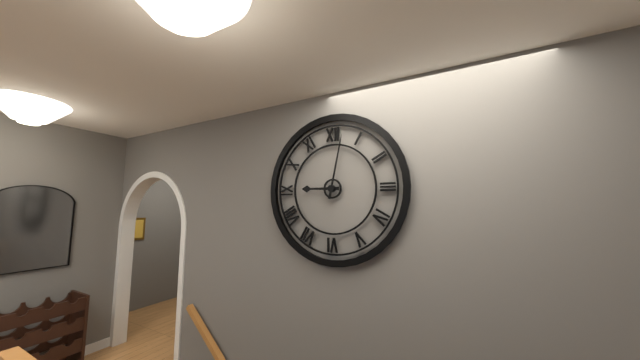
9:02
